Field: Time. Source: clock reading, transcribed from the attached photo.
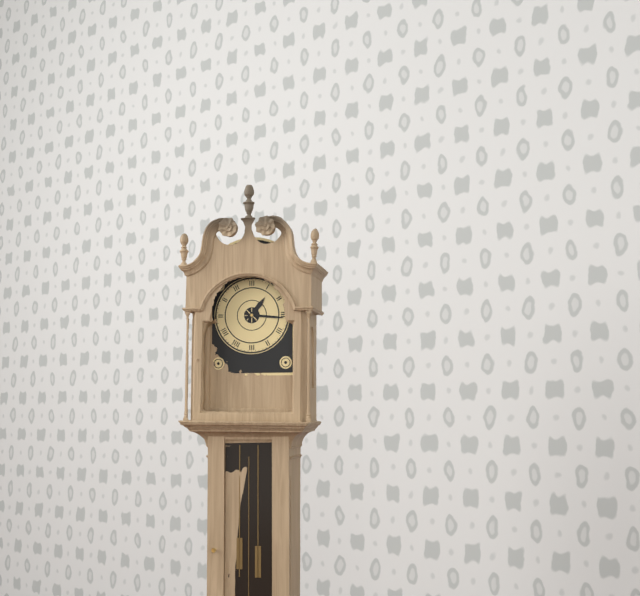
1:16
